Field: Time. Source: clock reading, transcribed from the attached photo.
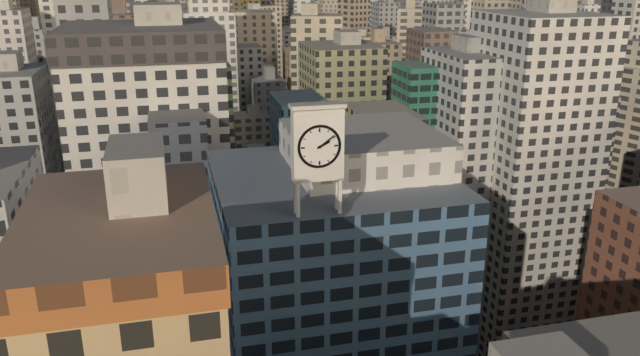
2:09
